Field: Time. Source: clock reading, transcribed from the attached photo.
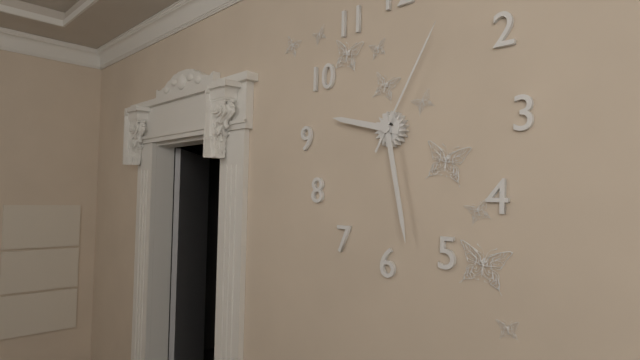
9:28:05
